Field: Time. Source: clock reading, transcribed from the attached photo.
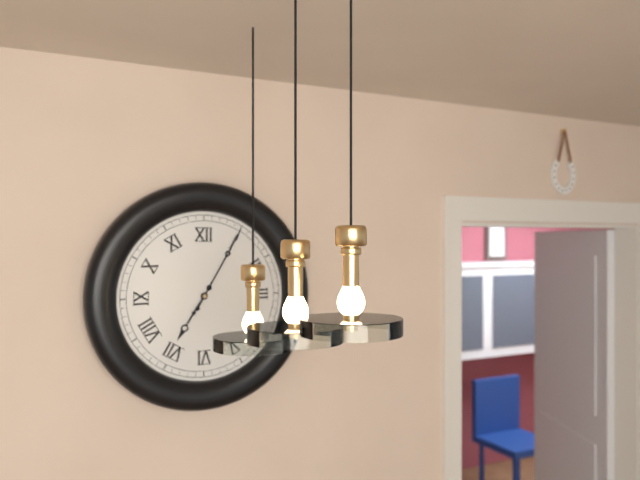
7:05
